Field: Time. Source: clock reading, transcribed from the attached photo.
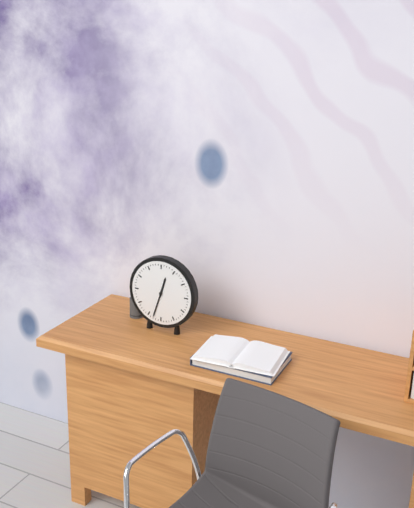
12:33
